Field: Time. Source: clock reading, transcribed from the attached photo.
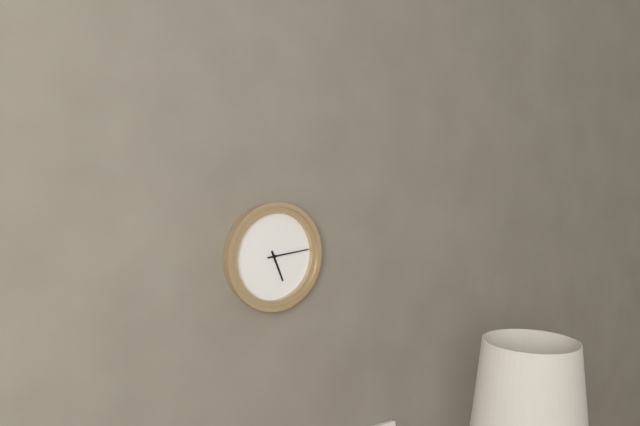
5:14
